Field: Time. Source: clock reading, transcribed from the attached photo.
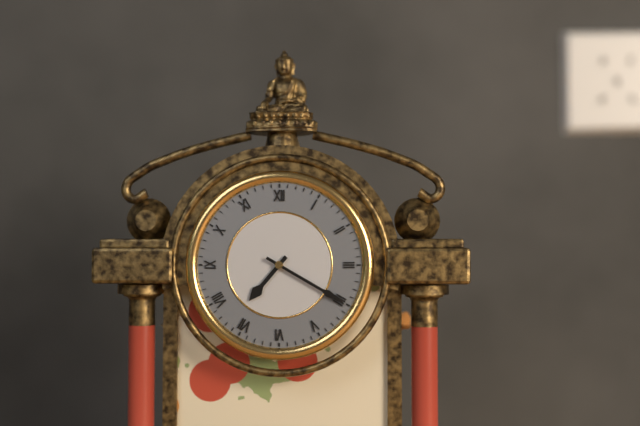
7:20
